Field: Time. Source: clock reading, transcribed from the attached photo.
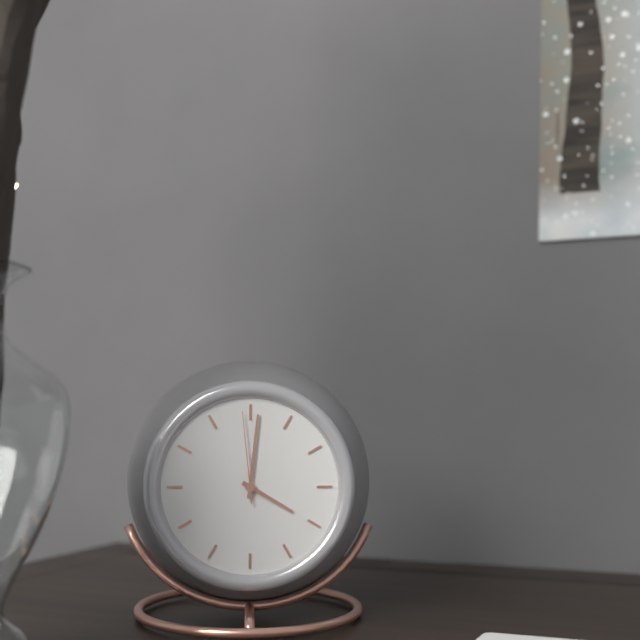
4:01:59
